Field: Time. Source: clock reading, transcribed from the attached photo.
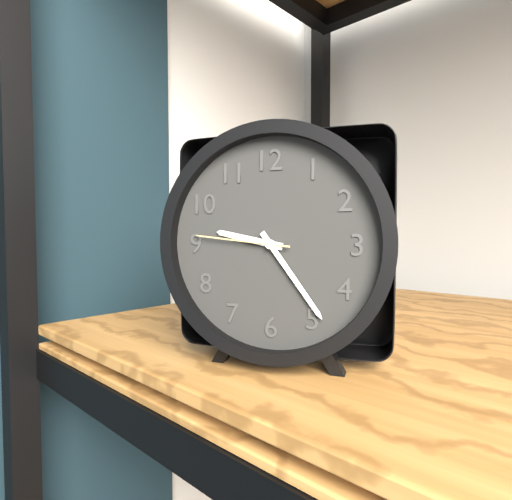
9:24:46
